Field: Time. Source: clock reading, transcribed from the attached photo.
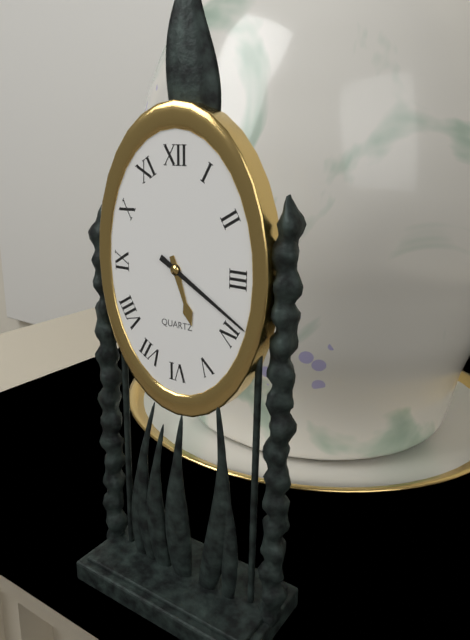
5:20
